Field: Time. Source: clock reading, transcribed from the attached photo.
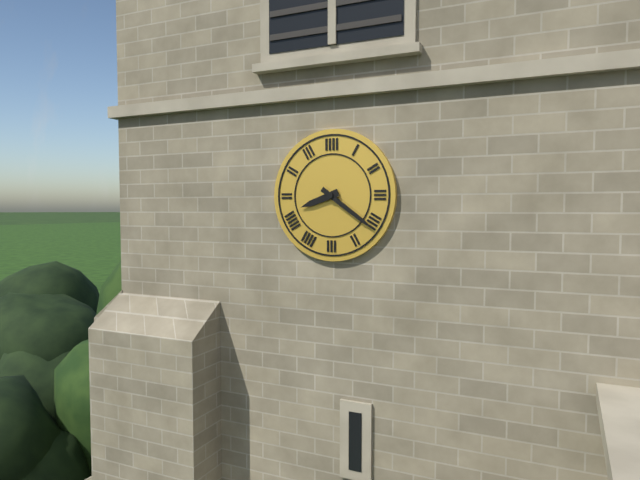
8:21
